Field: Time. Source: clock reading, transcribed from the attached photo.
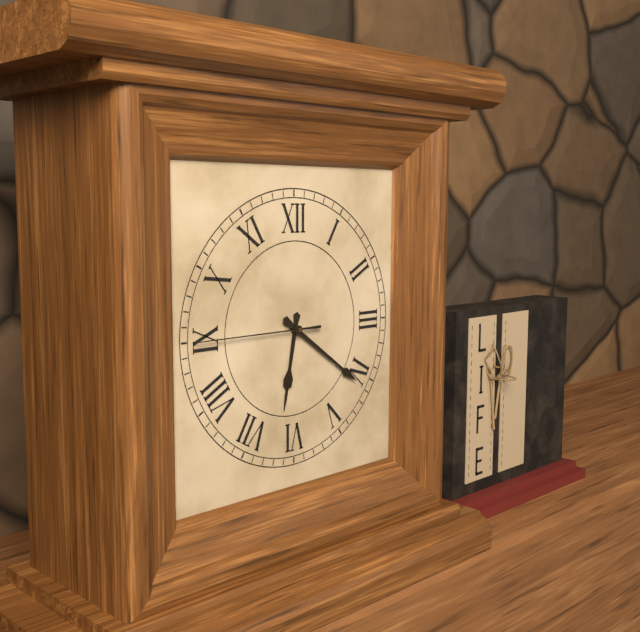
6:21:45
